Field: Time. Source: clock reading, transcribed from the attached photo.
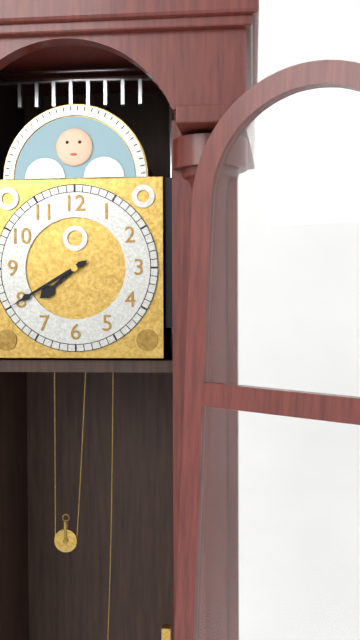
7:40
